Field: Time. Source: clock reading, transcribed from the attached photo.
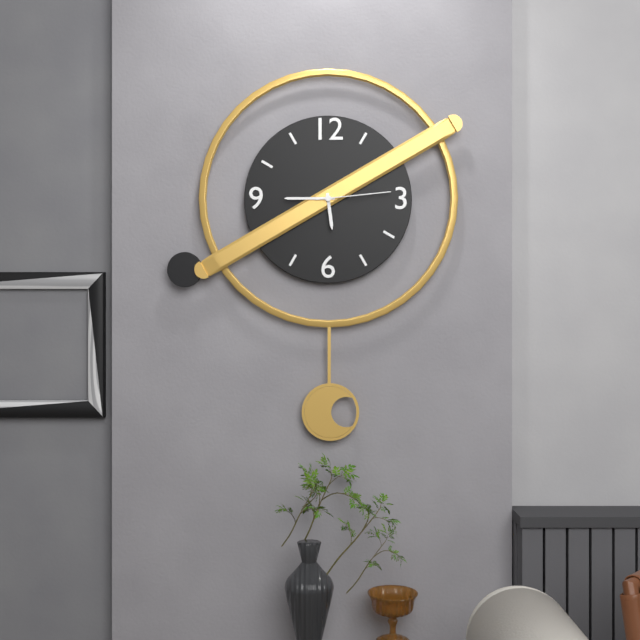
5:45:14
